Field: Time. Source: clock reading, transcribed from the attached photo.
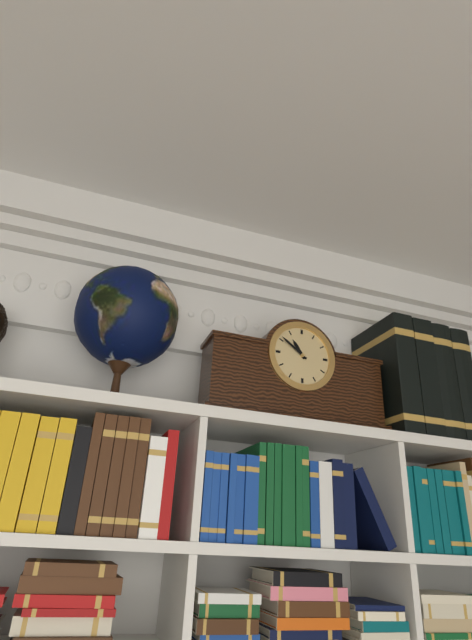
10:51
